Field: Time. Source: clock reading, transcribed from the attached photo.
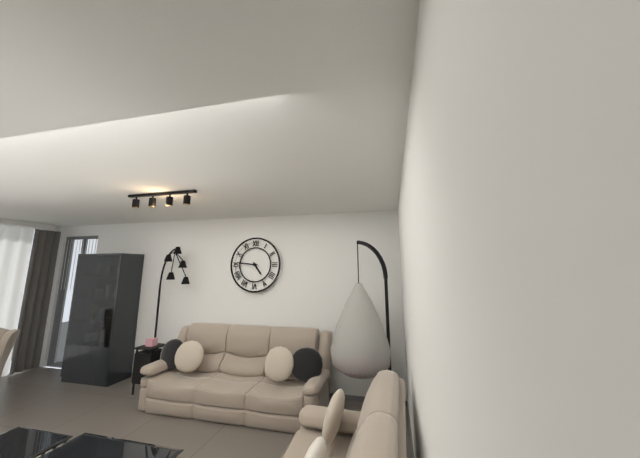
4:46
